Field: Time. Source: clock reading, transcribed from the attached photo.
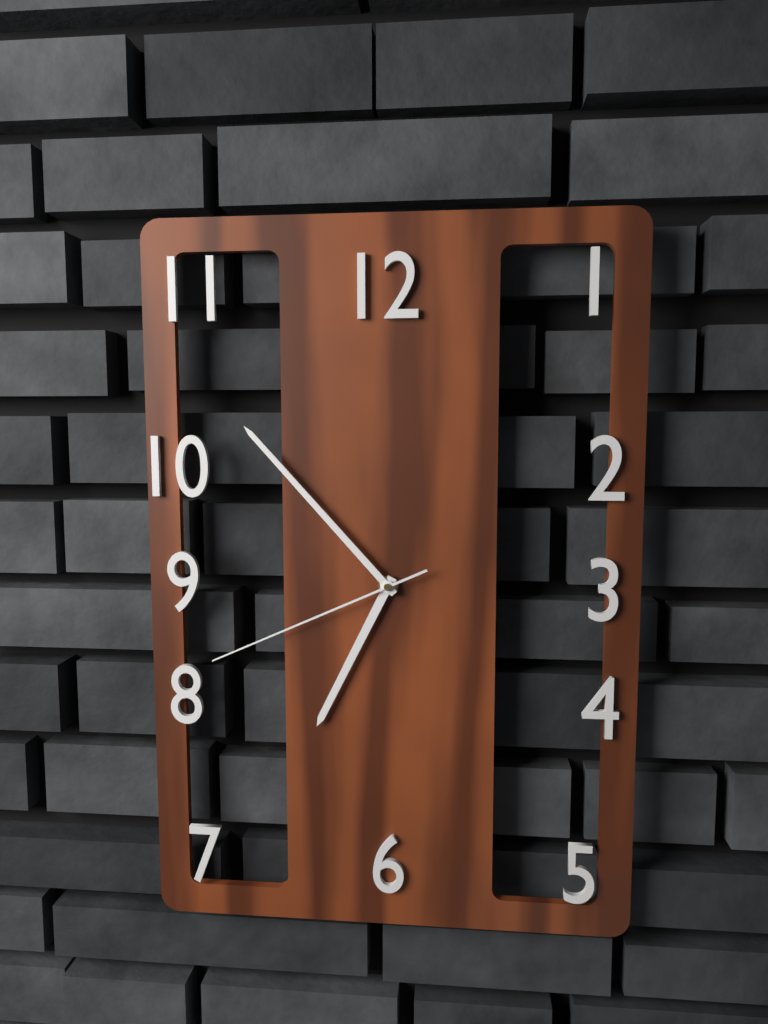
6:53:41
